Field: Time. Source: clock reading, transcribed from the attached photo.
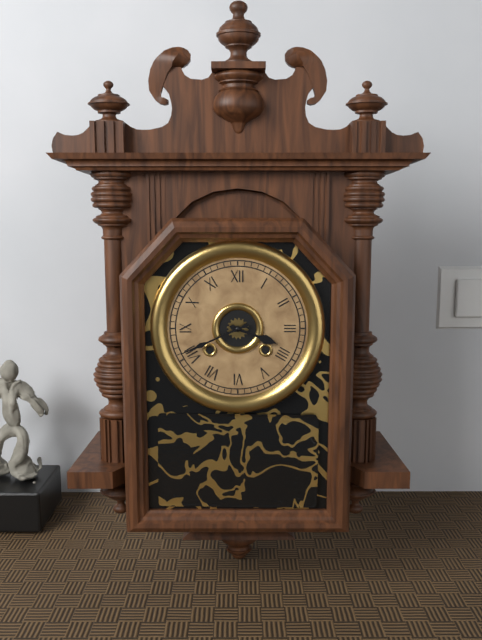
3:41
